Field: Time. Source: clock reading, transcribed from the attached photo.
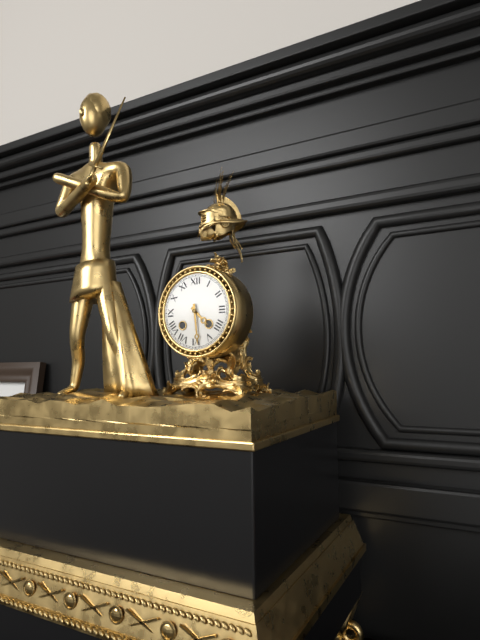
4:29
